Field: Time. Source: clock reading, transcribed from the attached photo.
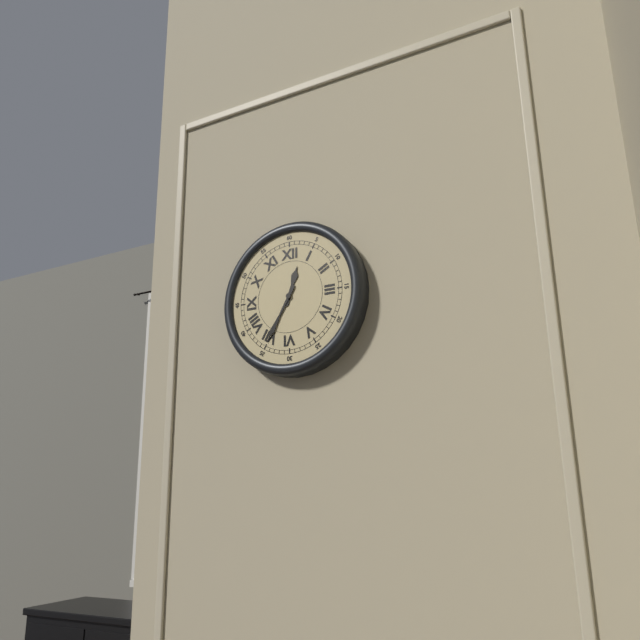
12:35
